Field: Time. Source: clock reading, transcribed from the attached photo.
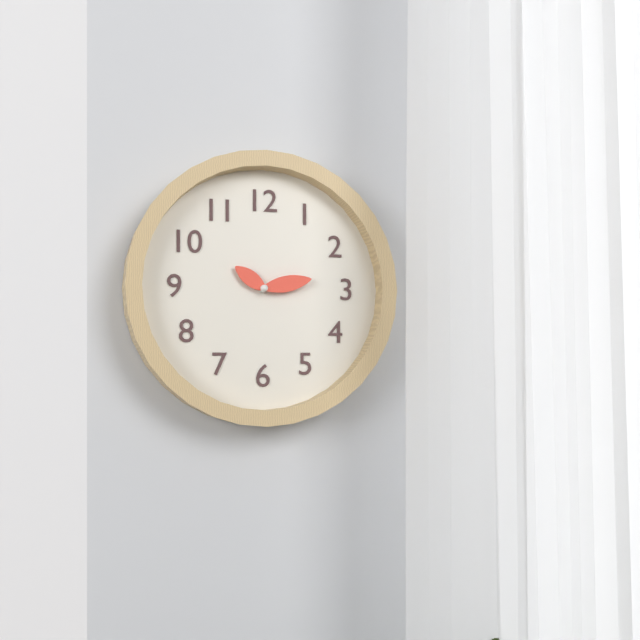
10:13
